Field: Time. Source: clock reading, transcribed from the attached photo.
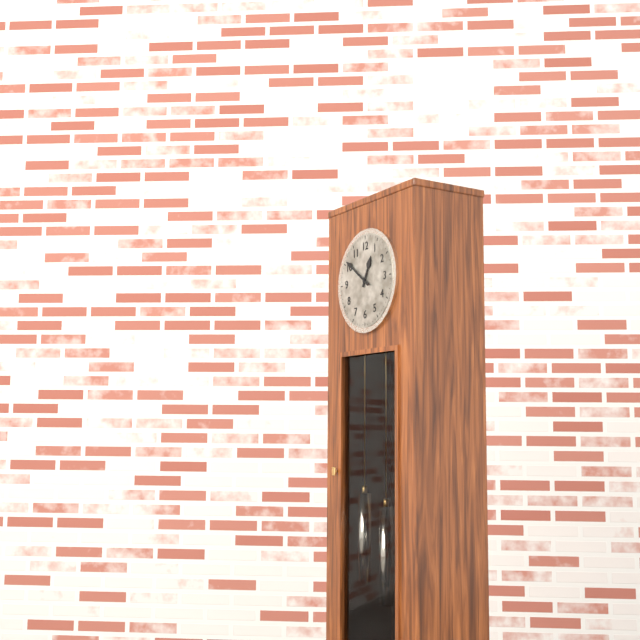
12:51
